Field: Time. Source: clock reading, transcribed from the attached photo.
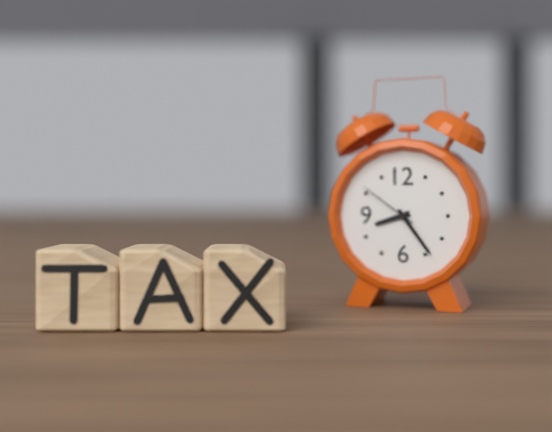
8:24:51
